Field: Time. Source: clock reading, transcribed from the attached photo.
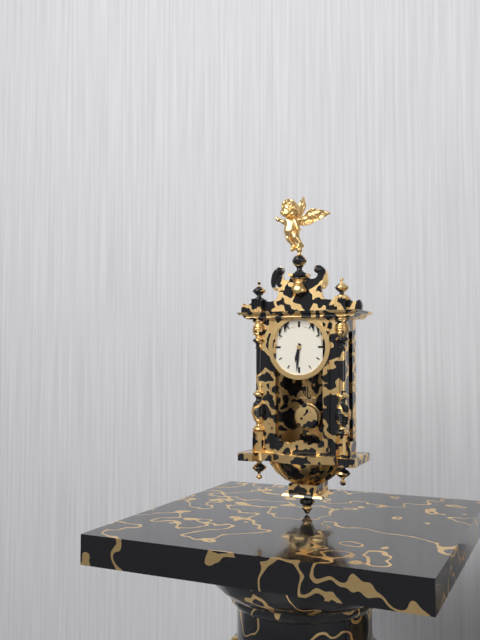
6:31
